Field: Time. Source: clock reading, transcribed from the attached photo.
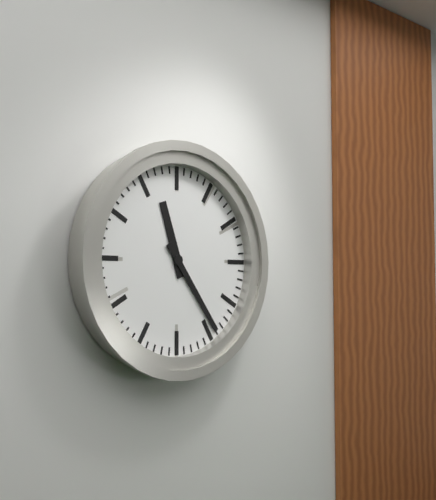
11:24
